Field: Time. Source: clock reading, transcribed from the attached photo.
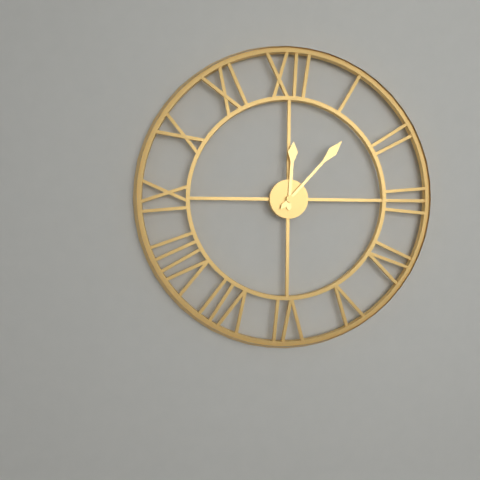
12:07
